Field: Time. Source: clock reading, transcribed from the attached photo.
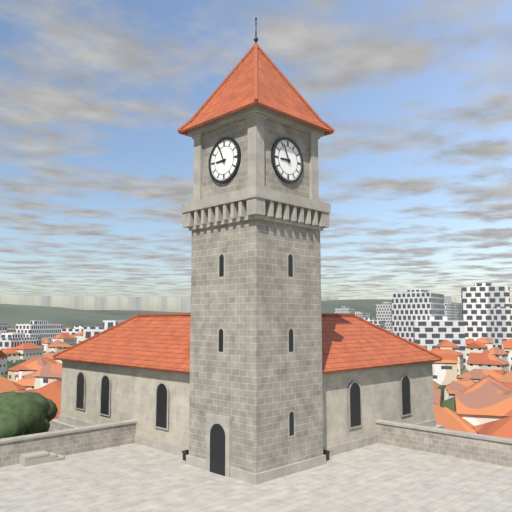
8:56
